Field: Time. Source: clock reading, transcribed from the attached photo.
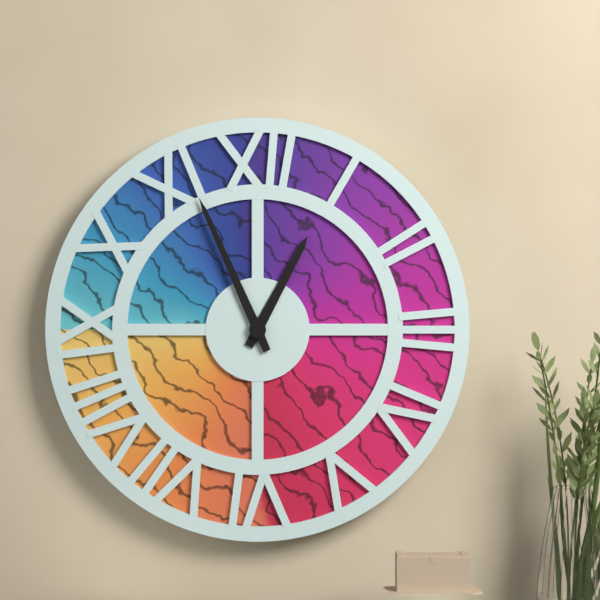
12:56
